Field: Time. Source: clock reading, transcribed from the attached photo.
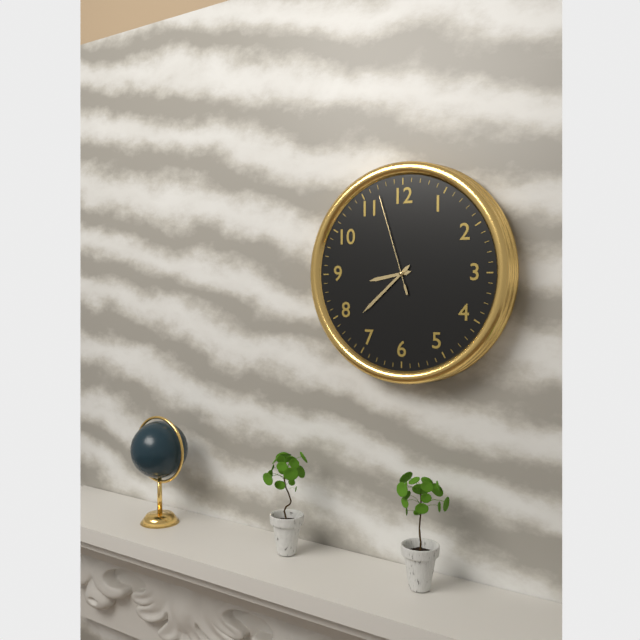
8:38:57
